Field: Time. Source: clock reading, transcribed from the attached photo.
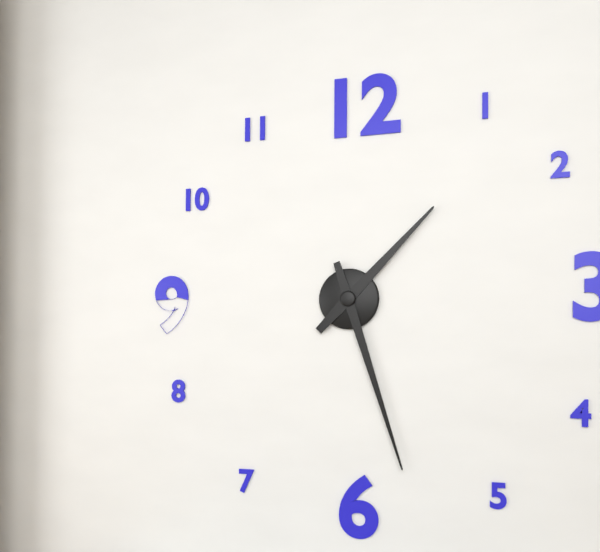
1:27
